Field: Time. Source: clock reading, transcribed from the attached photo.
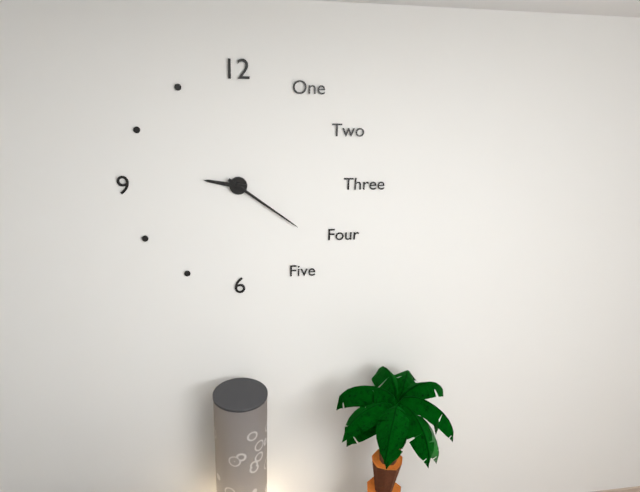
9:21
